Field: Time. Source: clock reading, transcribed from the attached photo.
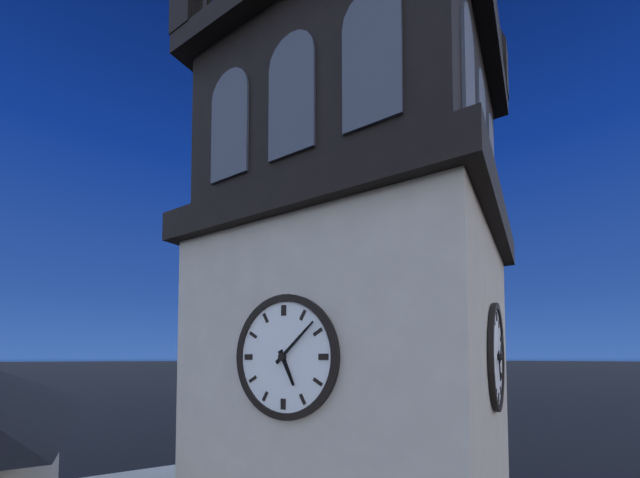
5:08
